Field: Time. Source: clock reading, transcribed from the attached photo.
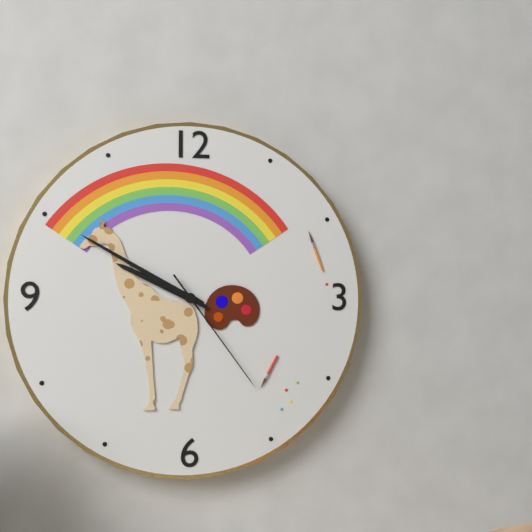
9:50:24
